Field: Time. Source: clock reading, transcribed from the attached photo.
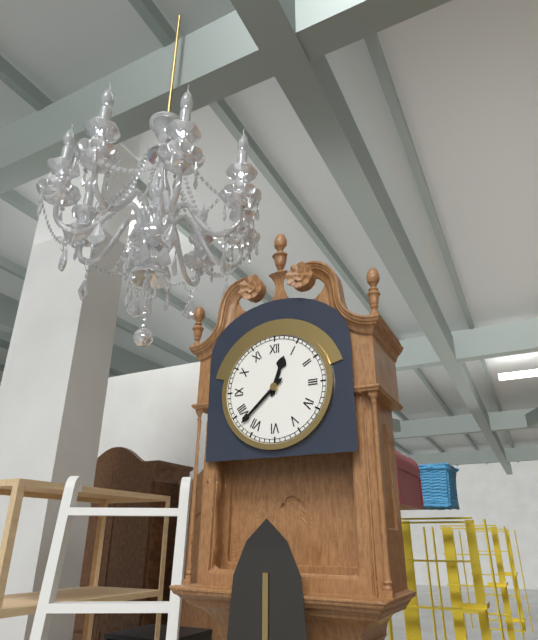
12:38
